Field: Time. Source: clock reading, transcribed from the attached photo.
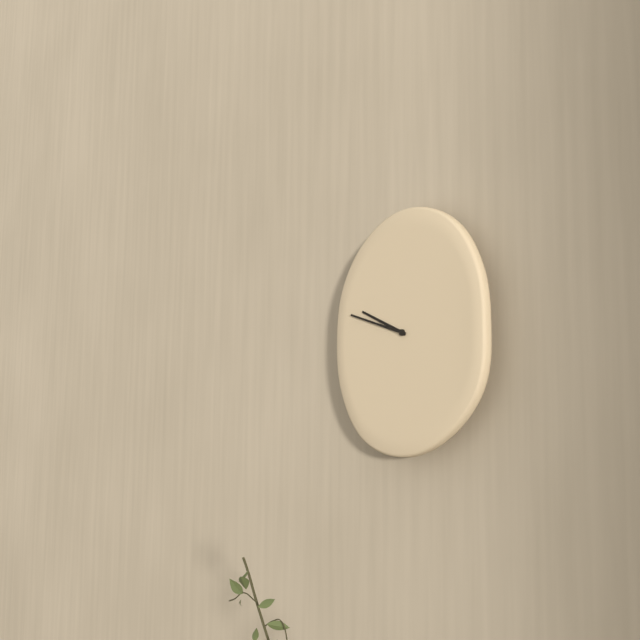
9:48
